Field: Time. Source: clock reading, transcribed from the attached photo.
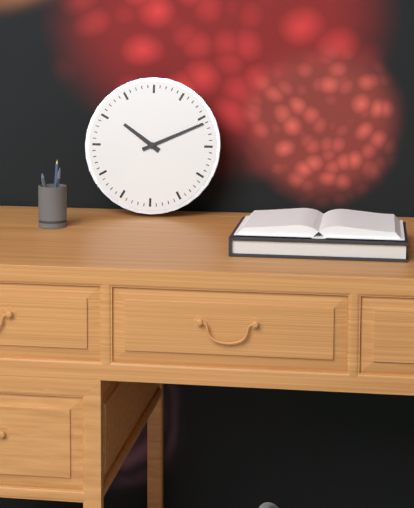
10:11
